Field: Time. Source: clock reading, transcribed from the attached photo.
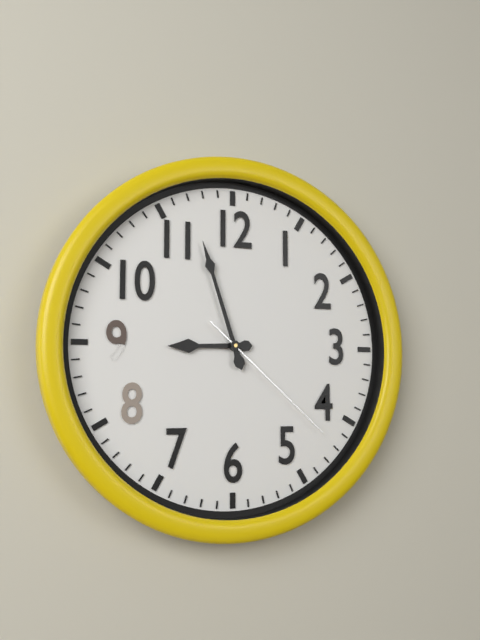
8:57:22
